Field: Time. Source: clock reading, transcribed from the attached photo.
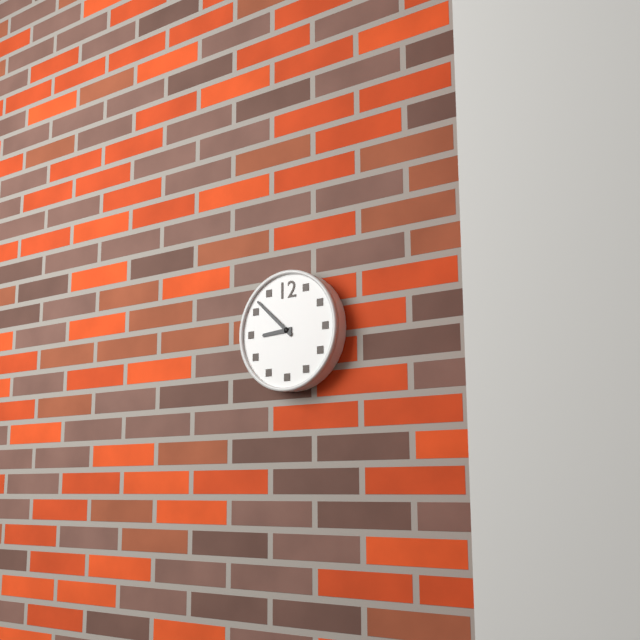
8:52
